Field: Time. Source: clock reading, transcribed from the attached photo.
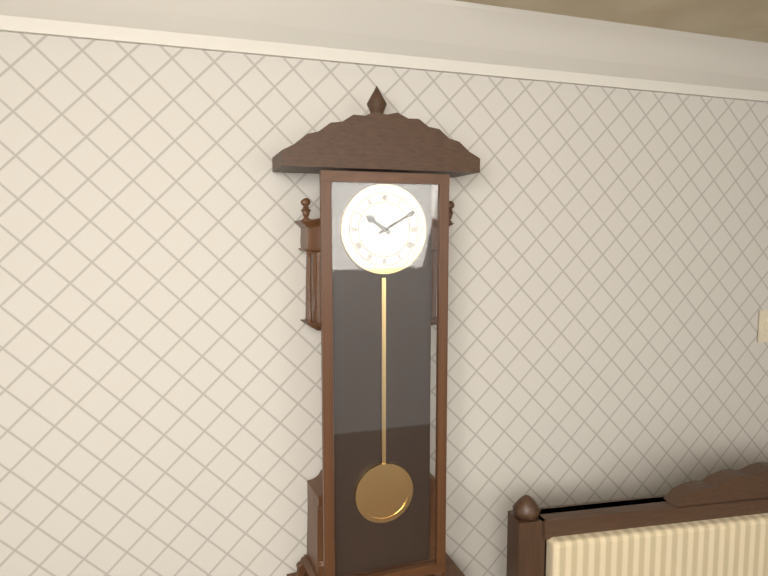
10:10
